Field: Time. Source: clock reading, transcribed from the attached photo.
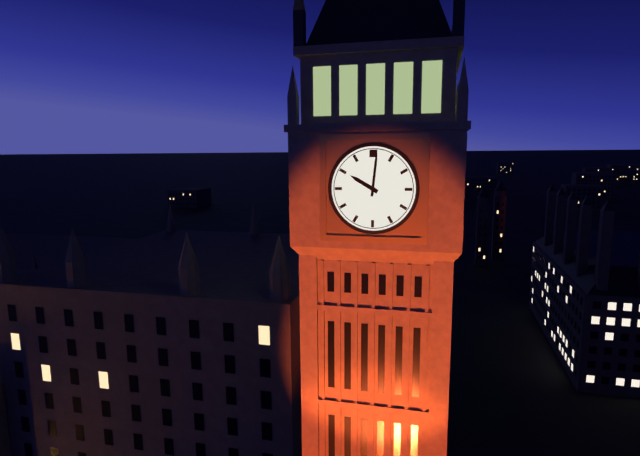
10:01
